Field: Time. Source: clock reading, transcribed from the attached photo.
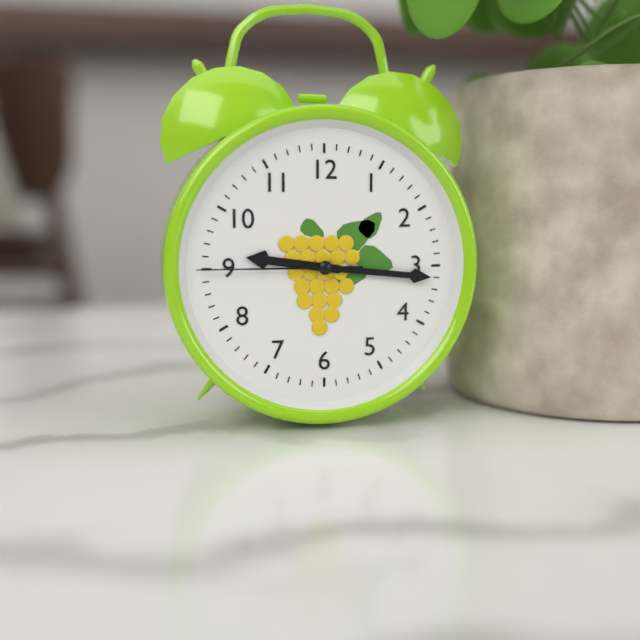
9:16:45
